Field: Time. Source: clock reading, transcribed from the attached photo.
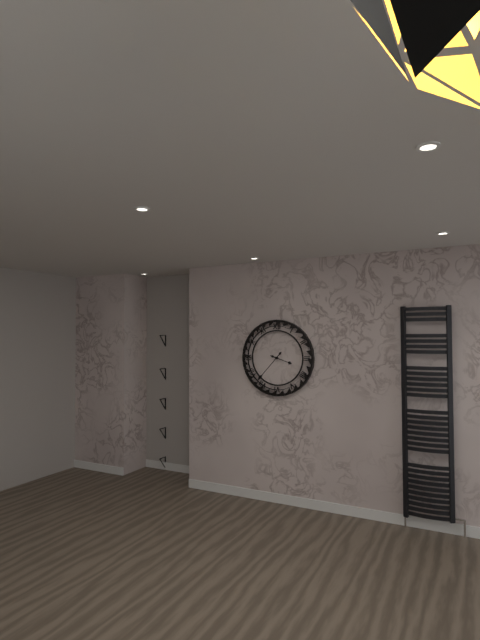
3:37
